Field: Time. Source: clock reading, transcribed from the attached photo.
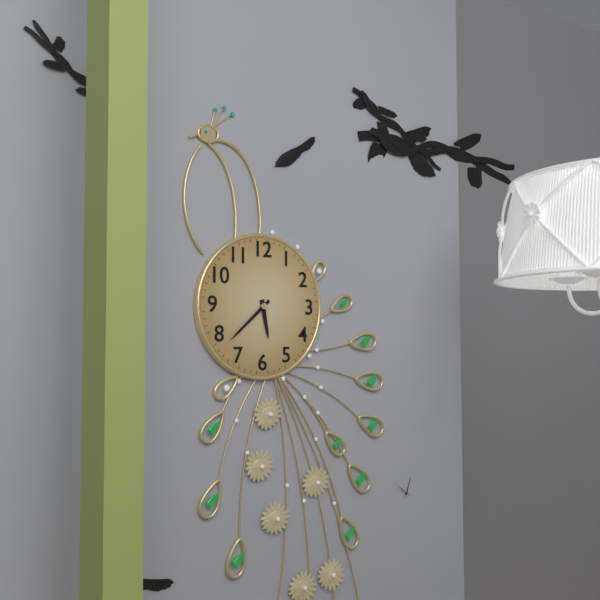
5:38
